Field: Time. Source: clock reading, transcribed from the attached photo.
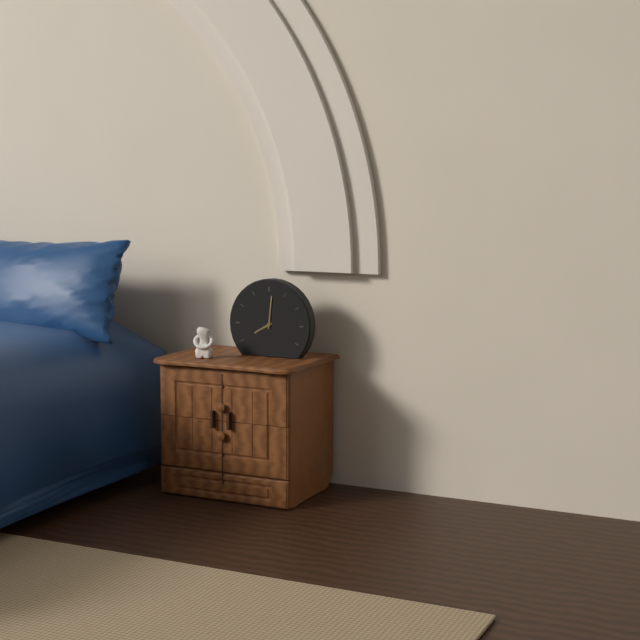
8:01
